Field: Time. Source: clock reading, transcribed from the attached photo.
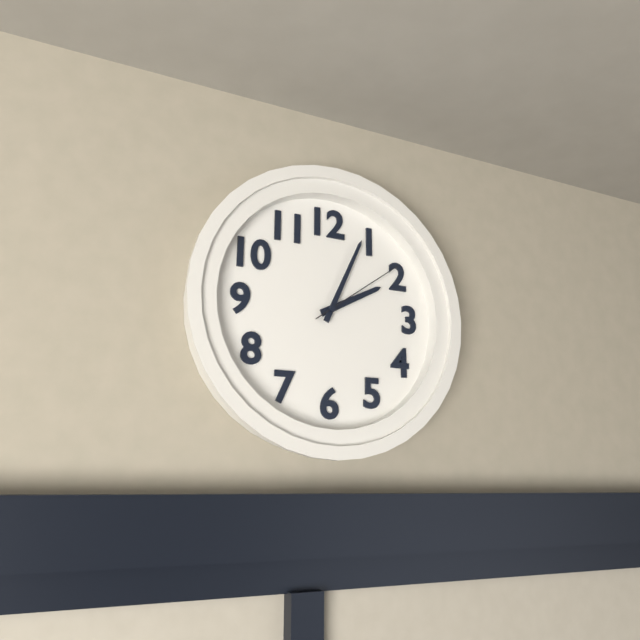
2:04:09
